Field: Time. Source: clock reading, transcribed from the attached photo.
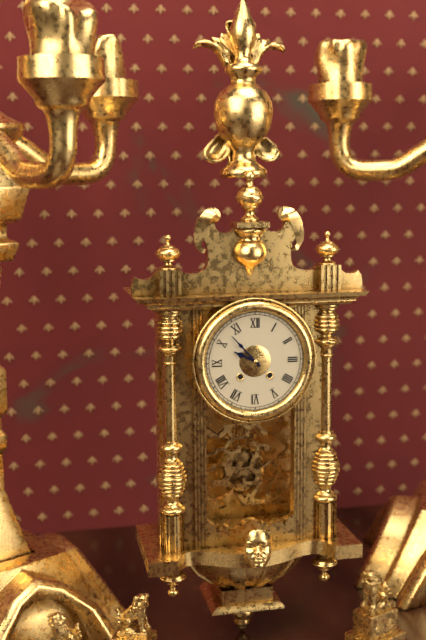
9:53
